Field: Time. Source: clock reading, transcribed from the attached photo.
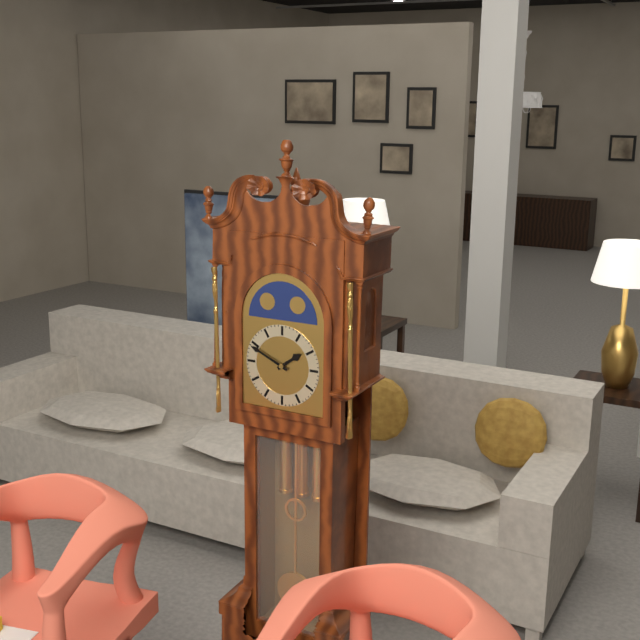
1:49
